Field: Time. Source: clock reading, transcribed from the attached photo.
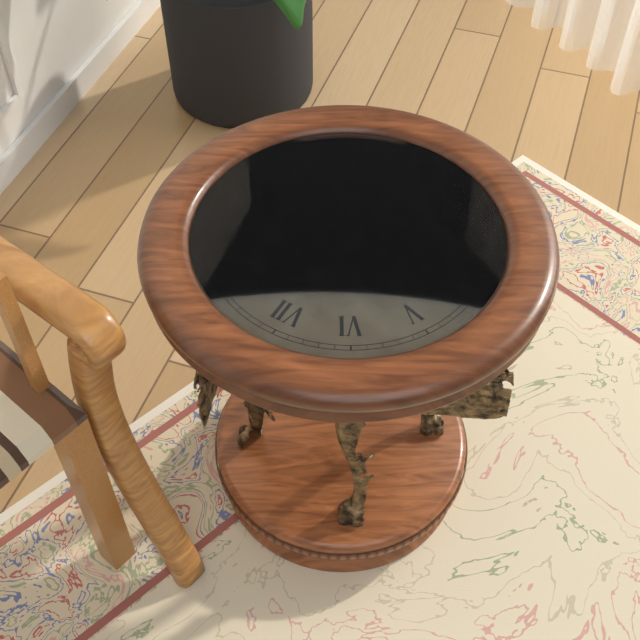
10:44
